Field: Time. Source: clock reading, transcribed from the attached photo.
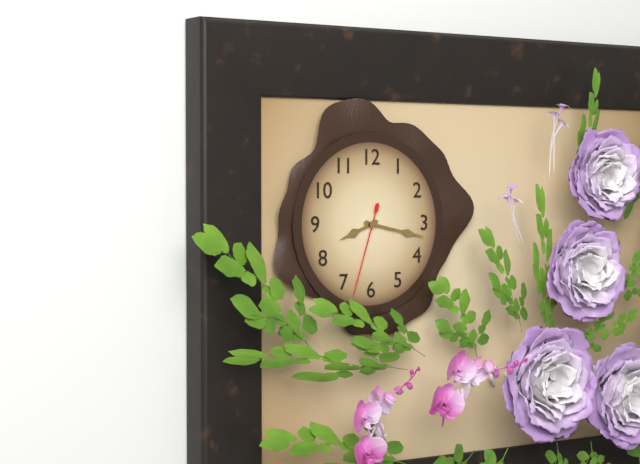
8:17:33
